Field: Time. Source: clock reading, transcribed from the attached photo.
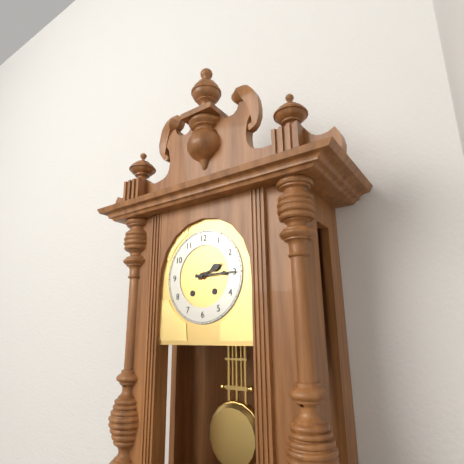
2:15
